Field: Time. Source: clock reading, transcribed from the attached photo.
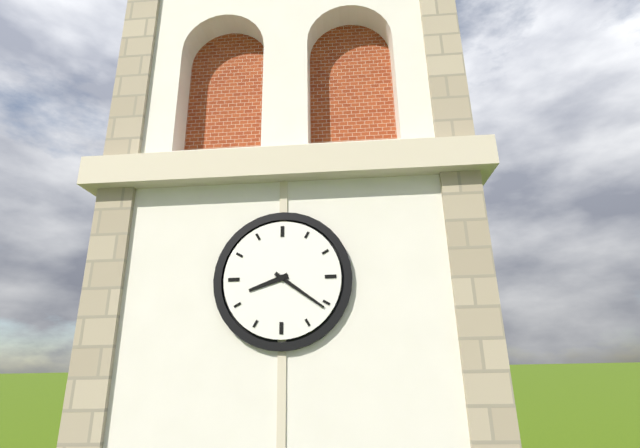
8:21
